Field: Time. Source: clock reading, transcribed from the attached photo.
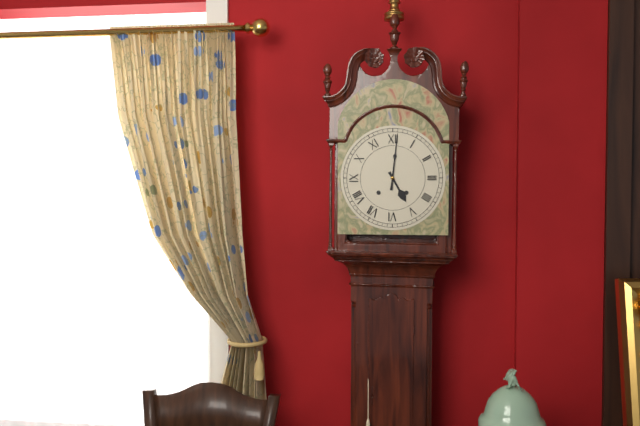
5:01
